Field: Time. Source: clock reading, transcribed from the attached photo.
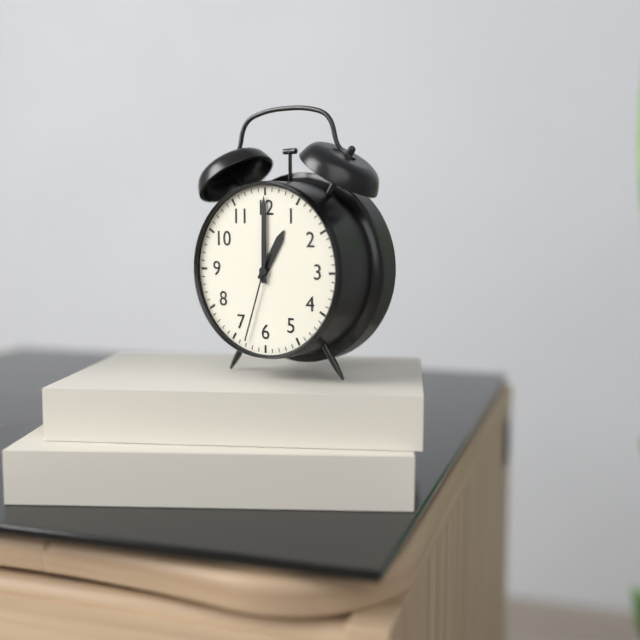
1:00:33
